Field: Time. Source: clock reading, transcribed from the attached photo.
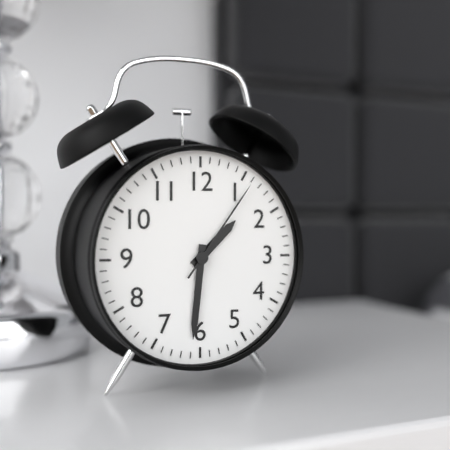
1:31:06
